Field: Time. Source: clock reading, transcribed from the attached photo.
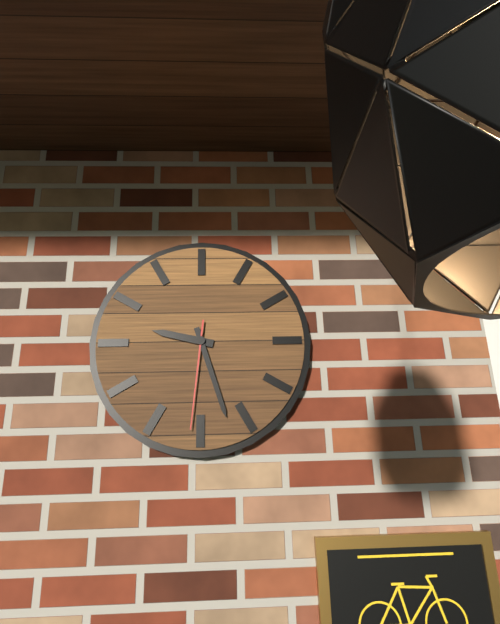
9:27:31
